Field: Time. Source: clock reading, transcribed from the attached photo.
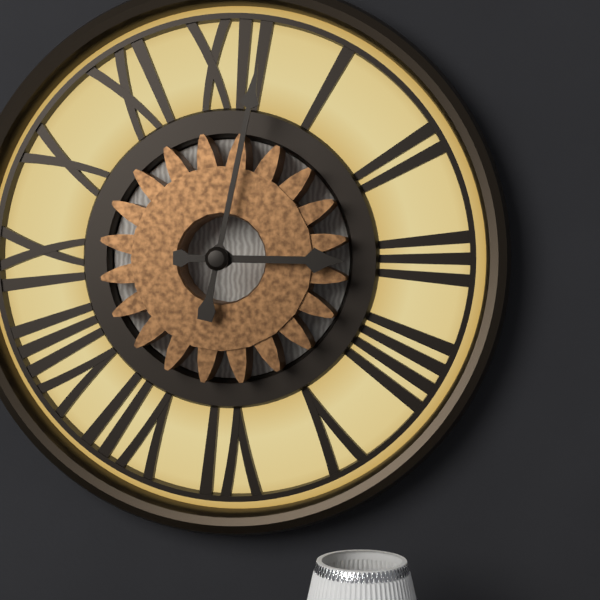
3:02
